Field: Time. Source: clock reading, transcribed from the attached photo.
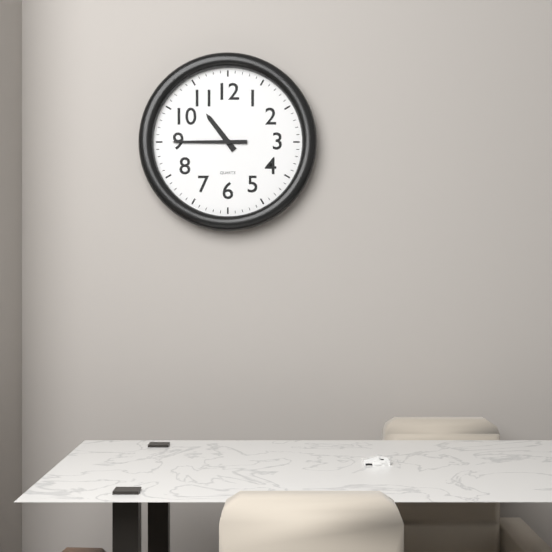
10:45
